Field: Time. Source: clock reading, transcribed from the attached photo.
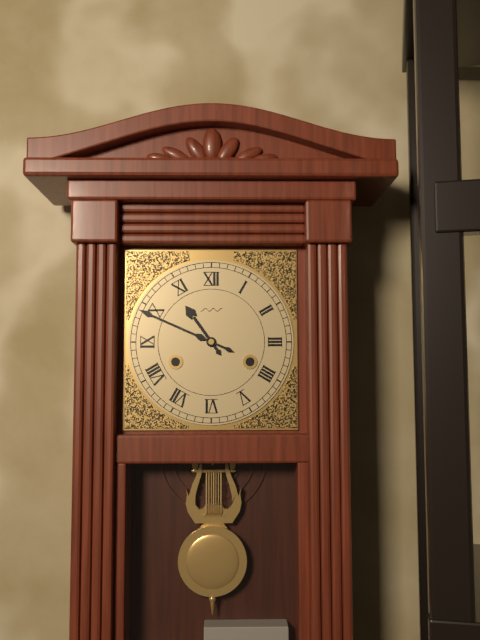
10:49
